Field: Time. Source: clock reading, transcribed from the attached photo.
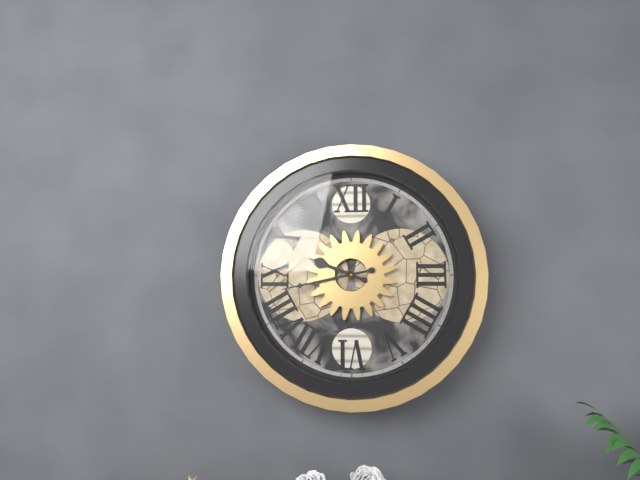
9:43
